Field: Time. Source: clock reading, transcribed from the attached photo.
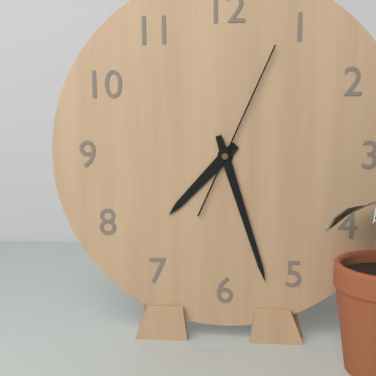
7:27:04
